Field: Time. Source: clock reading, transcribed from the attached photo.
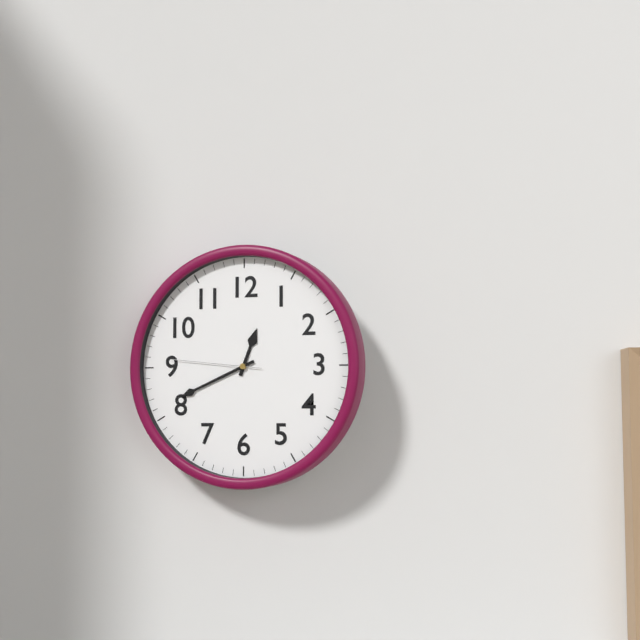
12:41:46
